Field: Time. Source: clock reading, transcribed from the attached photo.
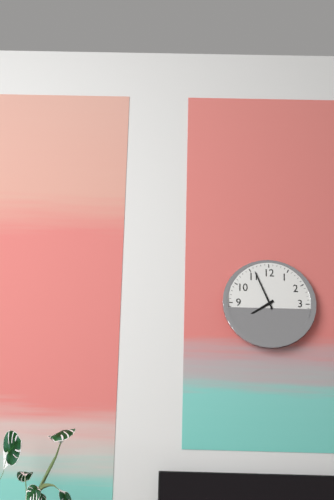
7:56
